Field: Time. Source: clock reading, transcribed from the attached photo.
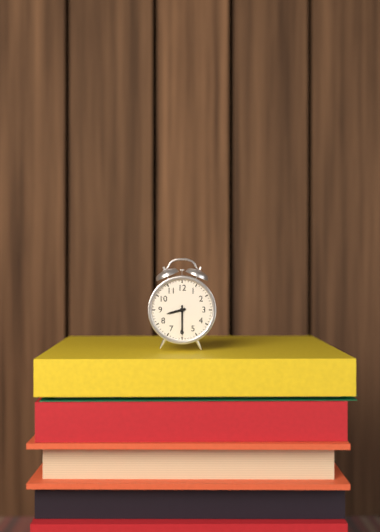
8:30
